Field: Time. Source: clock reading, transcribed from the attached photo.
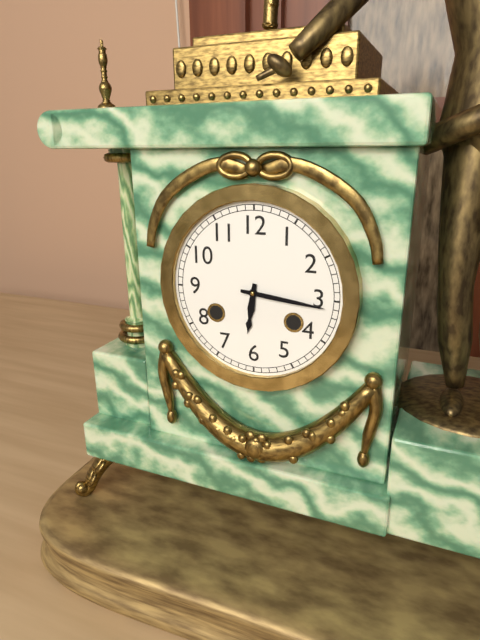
6:16
